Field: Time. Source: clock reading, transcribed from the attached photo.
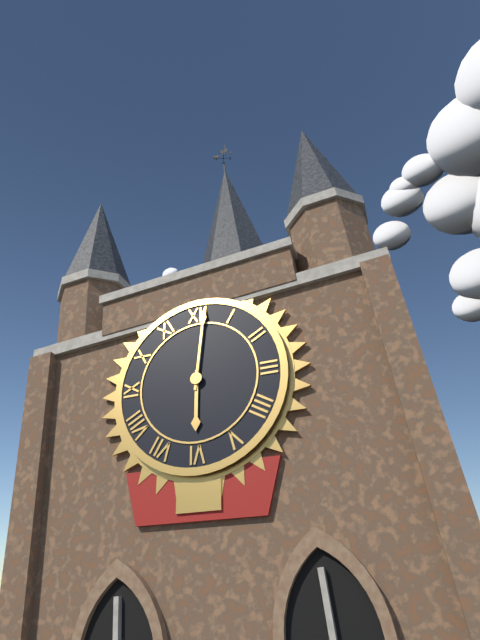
6:01
